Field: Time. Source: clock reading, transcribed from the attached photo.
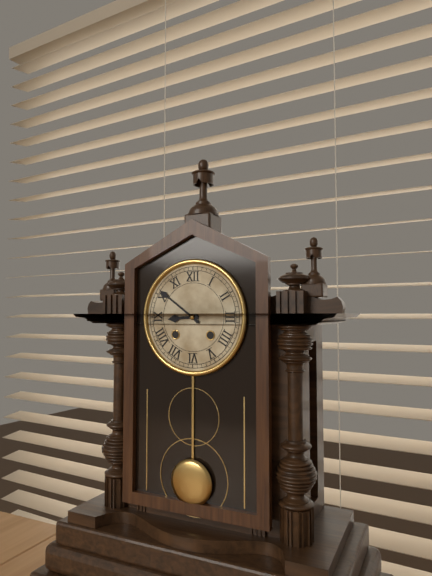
8:51
